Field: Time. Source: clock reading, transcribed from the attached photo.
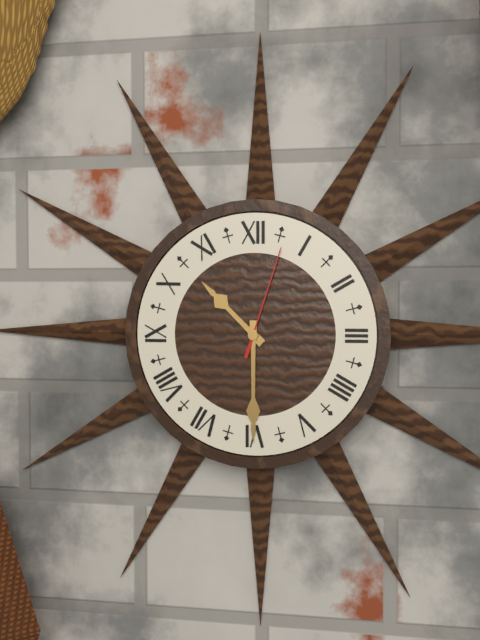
10:30:03
